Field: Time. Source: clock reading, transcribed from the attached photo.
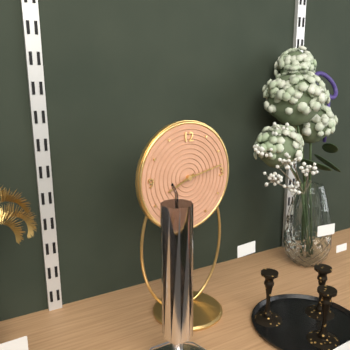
8:13
